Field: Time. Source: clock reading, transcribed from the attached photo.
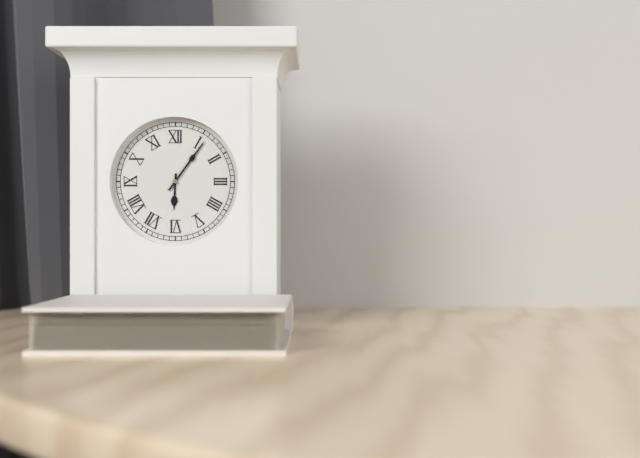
6:06
